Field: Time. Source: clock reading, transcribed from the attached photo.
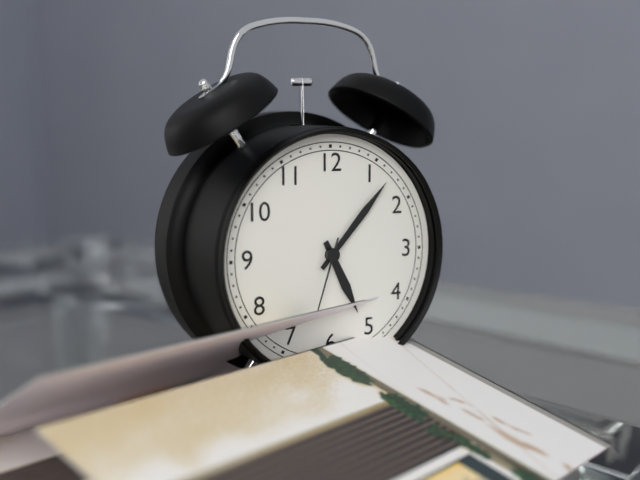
5:07:33
